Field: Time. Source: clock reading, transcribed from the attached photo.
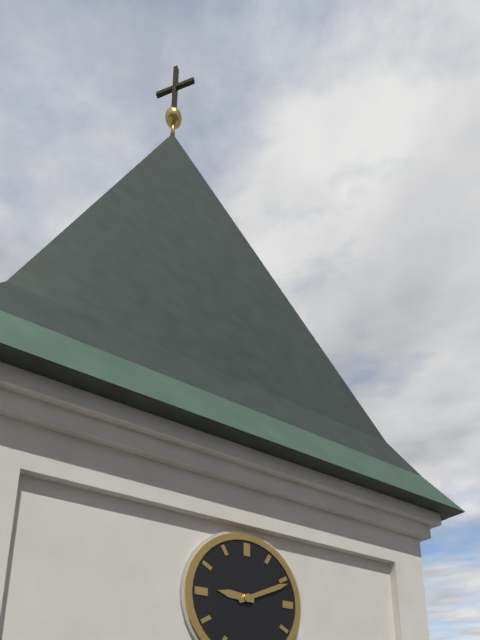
9:11
